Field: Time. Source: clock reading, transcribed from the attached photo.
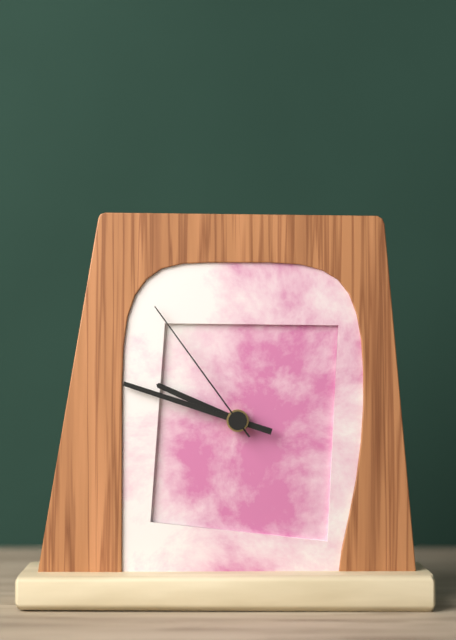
9:48:54
